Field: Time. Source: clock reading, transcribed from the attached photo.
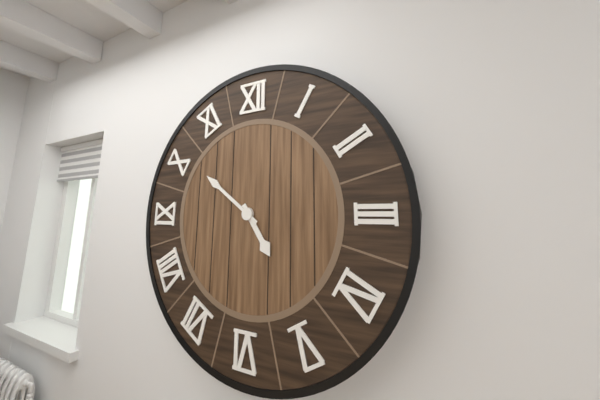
4:51
